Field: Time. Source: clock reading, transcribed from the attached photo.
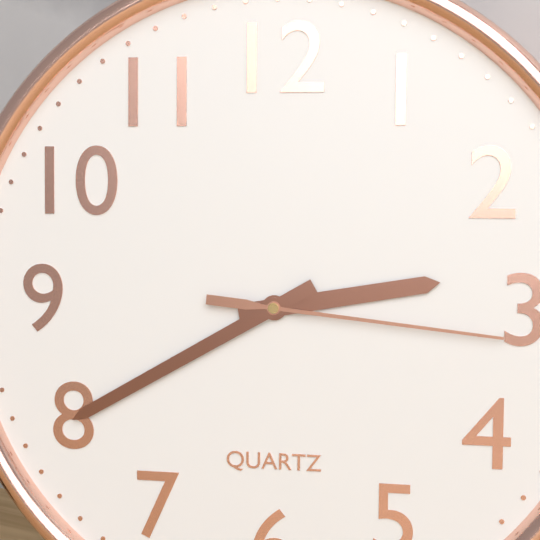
2:40:16
